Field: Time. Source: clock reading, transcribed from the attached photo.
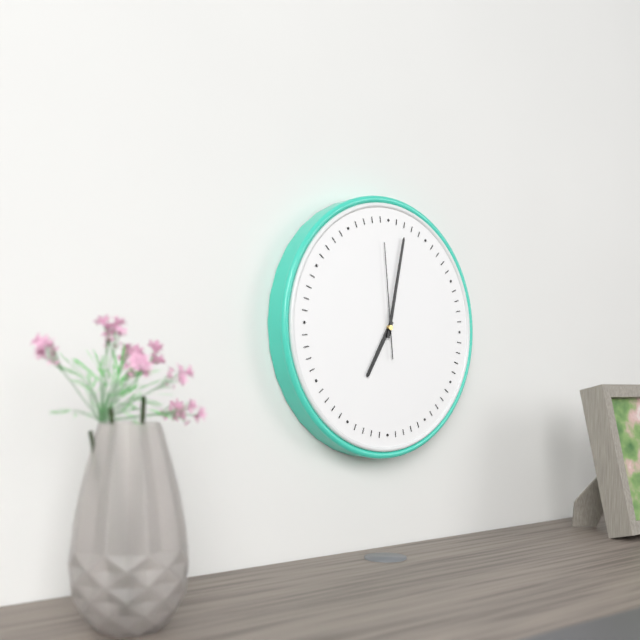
7:02:59
